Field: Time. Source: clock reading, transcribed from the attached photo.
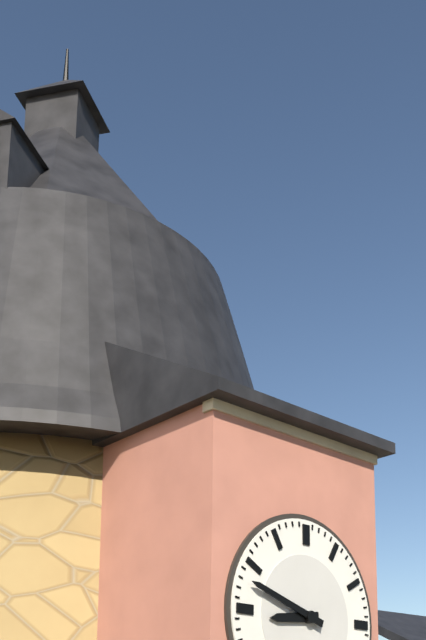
8:48
